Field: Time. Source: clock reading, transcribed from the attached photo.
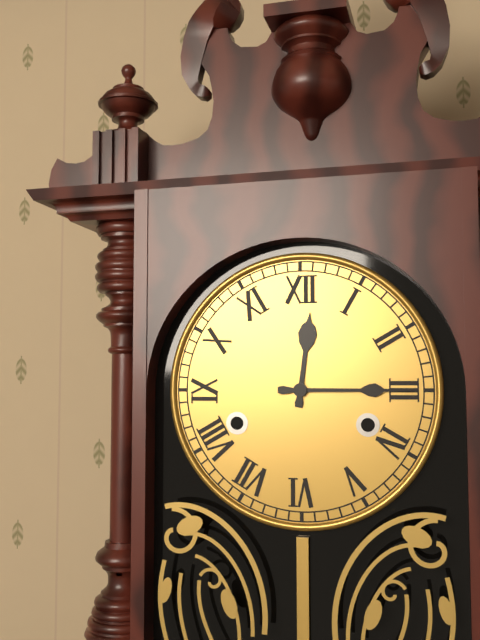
12:15
